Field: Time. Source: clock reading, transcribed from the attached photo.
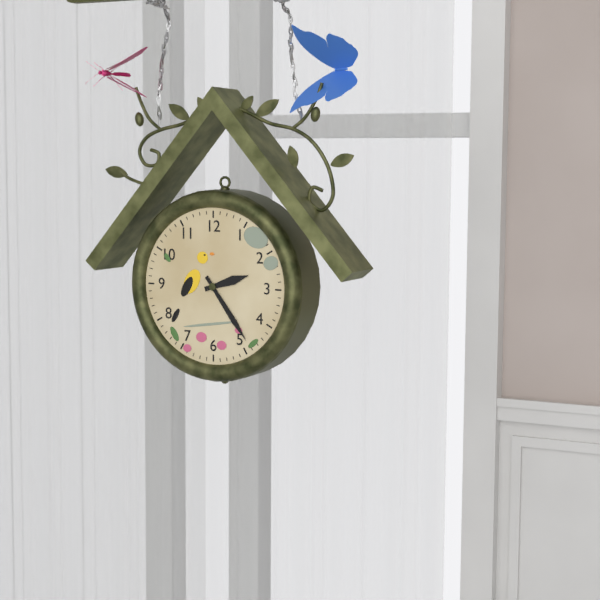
2:24
